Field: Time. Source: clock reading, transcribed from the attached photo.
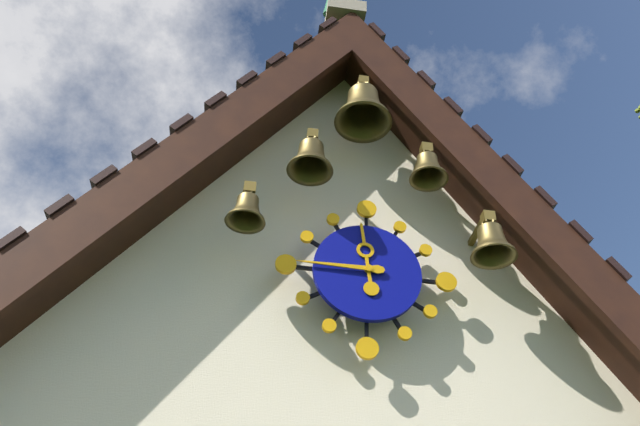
11:45
